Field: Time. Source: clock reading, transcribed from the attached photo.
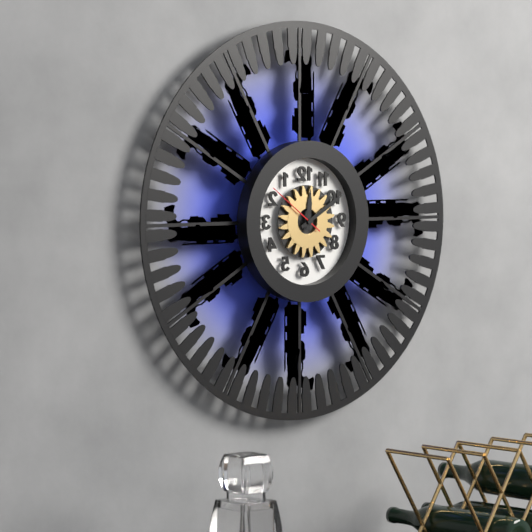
12:10:51
